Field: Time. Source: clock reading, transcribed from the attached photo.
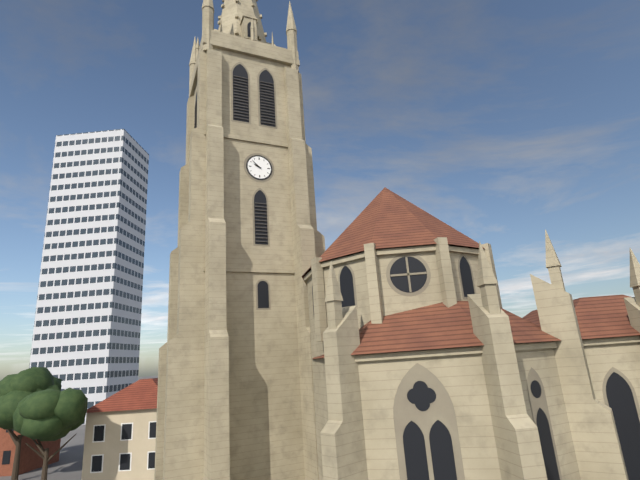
9:52
